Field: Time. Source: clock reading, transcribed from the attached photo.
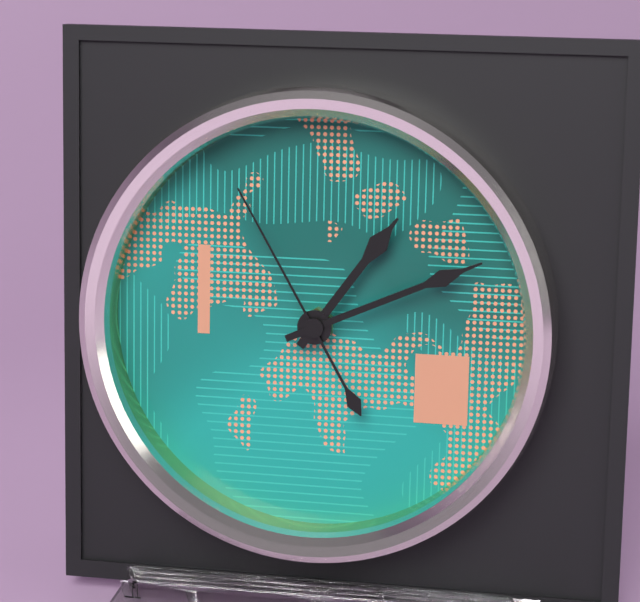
1:11:55
